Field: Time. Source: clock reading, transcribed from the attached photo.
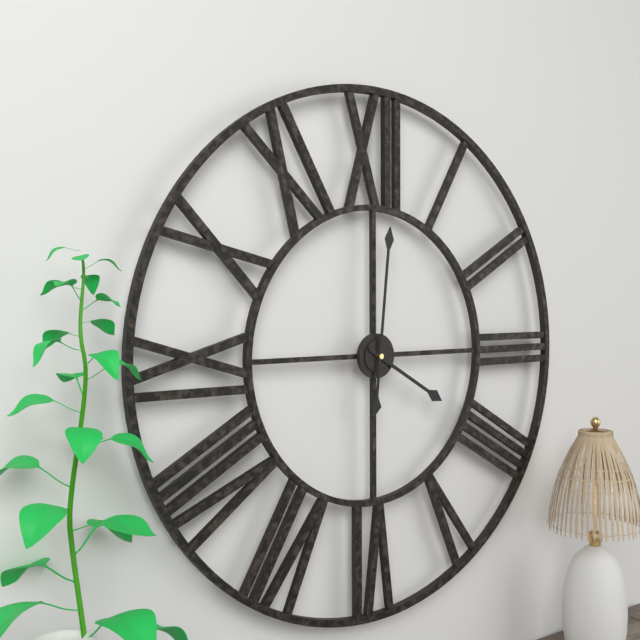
4:01
